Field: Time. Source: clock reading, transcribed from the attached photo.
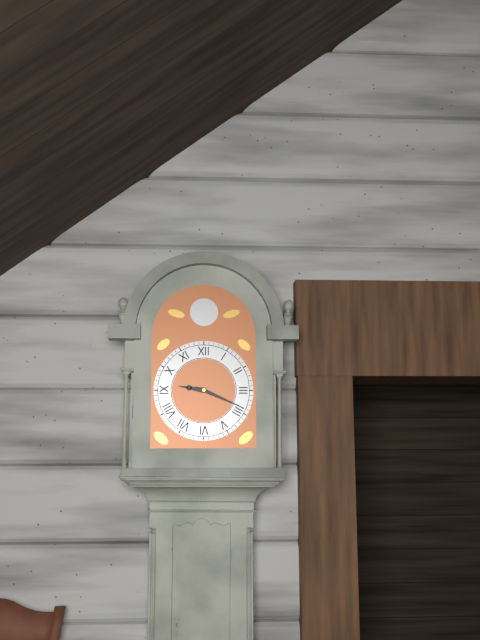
9:19
